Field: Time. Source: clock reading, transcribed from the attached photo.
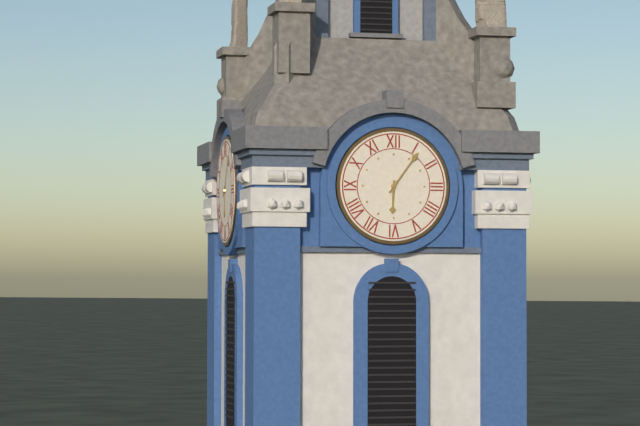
6:06
